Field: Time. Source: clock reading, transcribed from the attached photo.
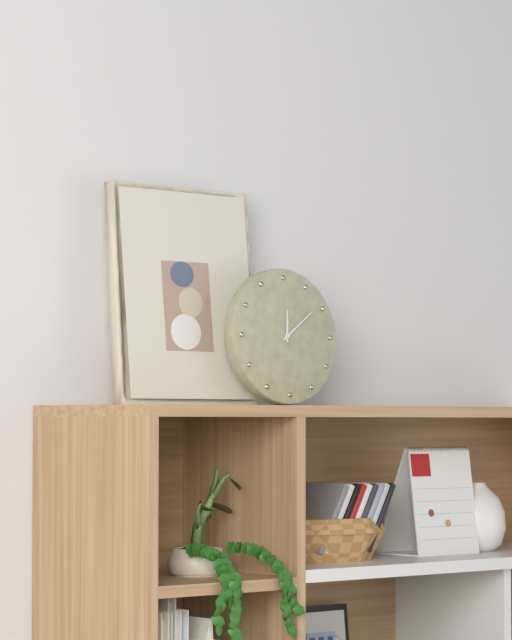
12:09
